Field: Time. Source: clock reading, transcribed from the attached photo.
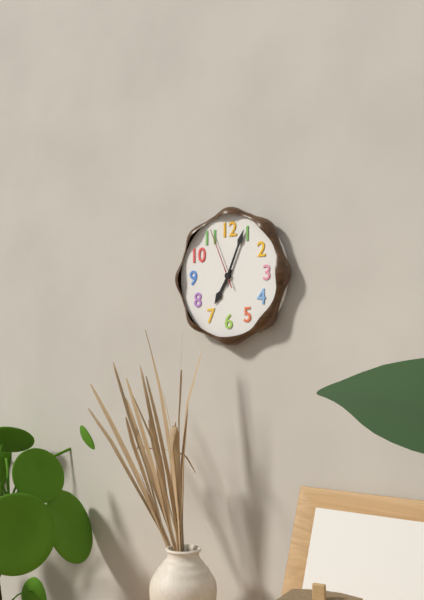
7:04:56
